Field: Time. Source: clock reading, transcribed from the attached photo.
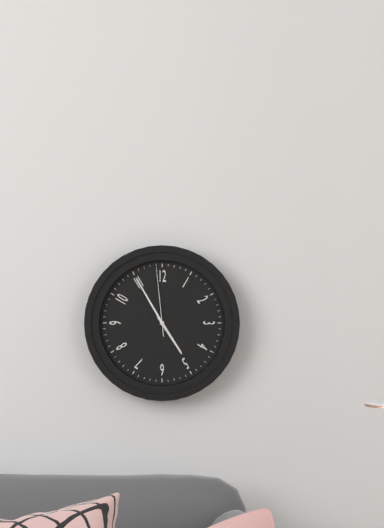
4:55:59
